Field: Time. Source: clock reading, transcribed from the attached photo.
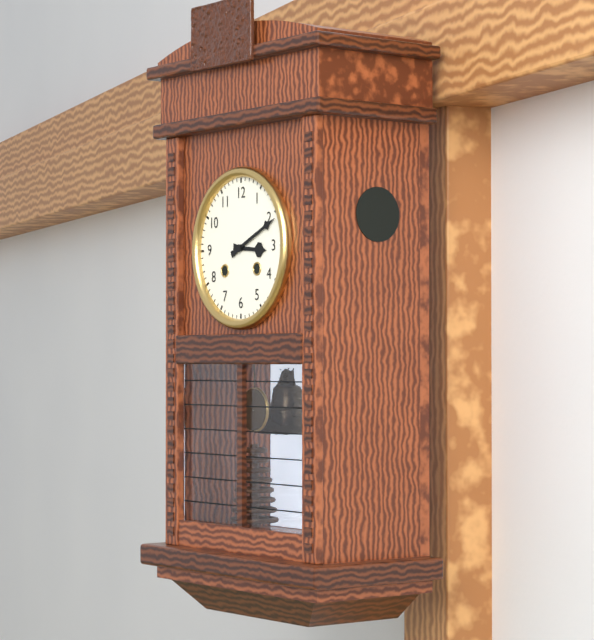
3:11
